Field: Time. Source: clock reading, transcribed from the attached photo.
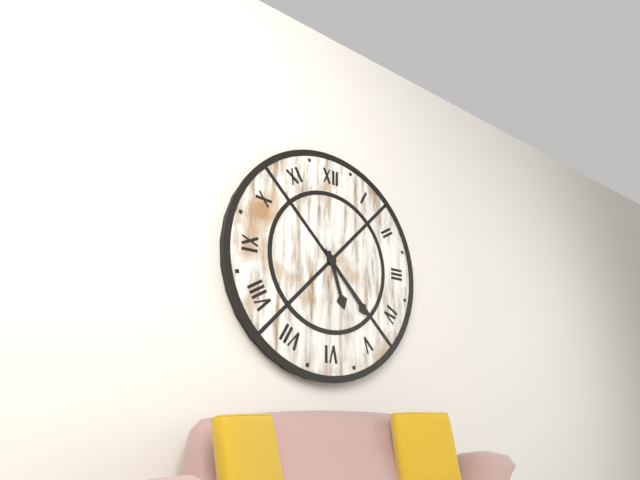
5:23
